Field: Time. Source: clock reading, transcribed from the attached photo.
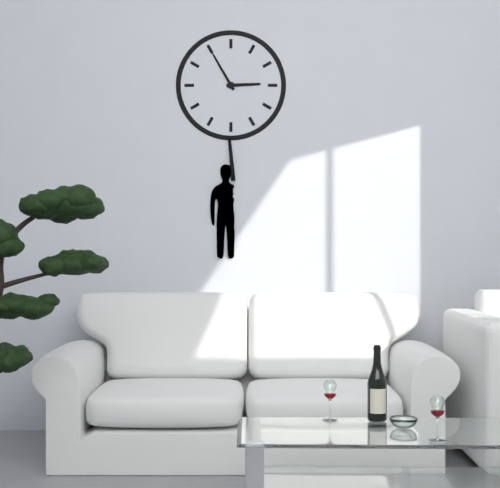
2:55
